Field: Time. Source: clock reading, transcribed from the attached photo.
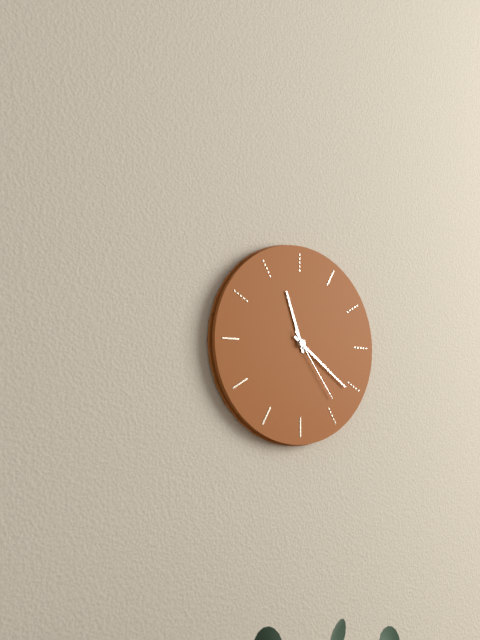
11:21:24
